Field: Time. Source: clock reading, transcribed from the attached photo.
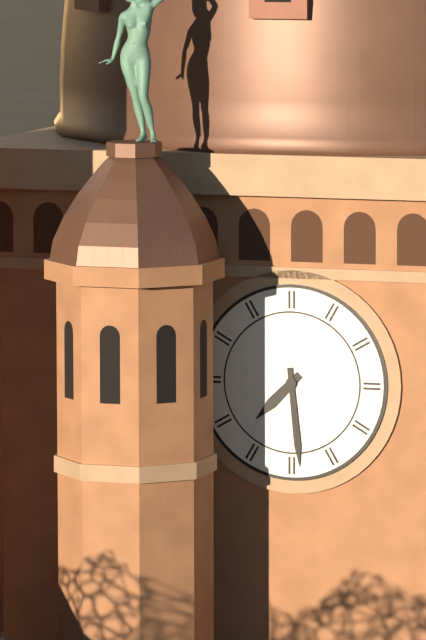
7:29
